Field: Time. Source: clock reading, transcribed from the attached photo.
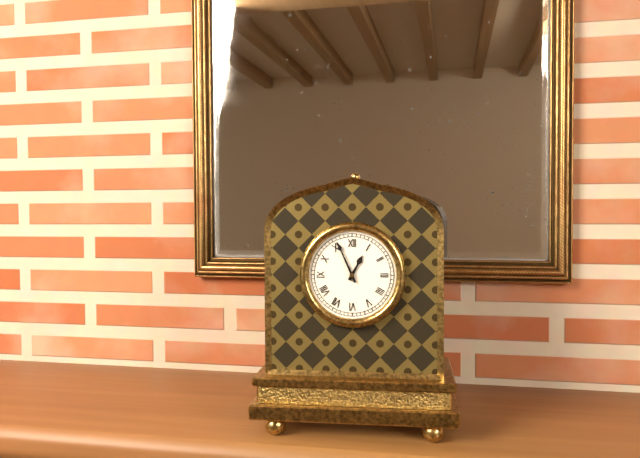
12:56
